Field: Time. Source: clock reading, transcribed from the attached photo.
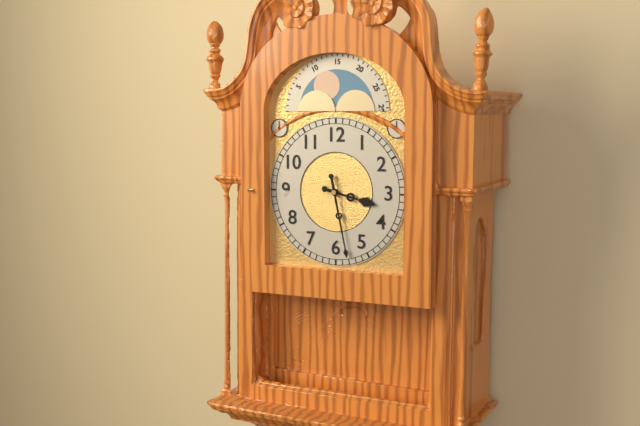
3:28
